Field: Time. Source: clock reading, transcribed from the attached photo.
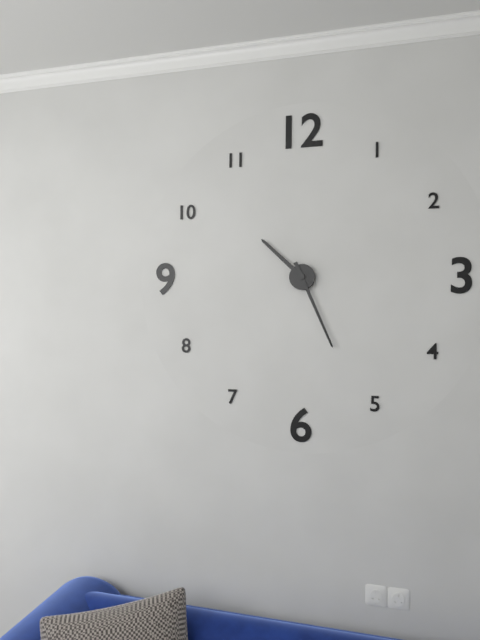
10:26
